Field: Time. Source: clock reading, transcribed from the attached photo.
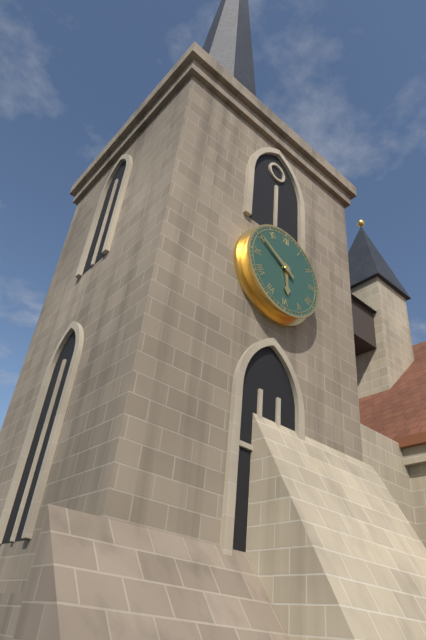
5:50
